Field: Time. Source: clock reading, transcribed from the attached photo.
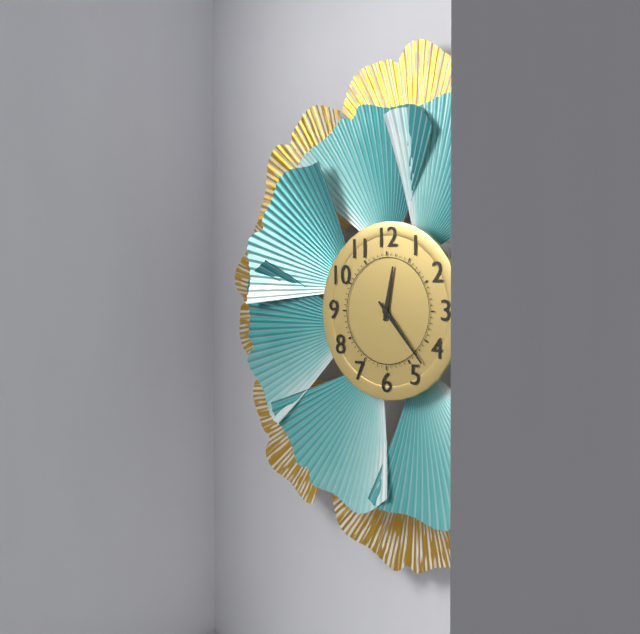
12:23
